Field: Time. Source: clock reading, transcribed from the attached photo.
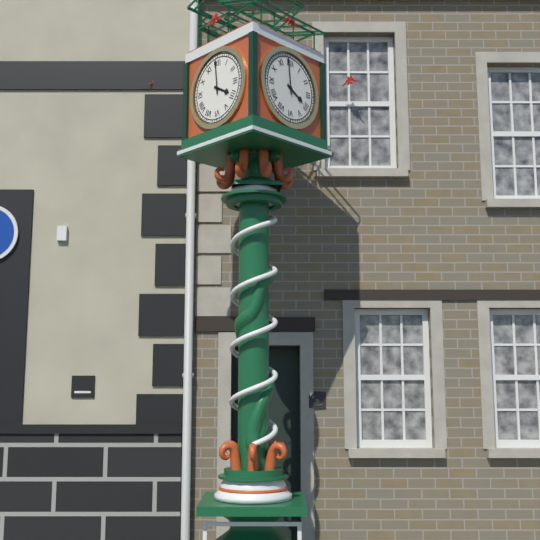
3:59
